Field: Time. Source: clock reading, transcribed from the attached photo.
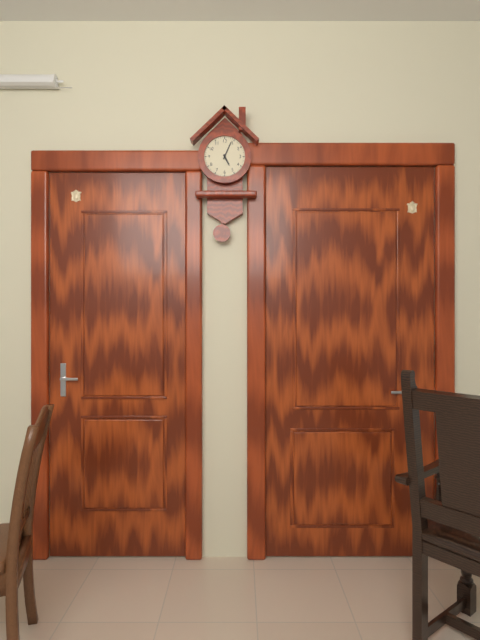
5:04
